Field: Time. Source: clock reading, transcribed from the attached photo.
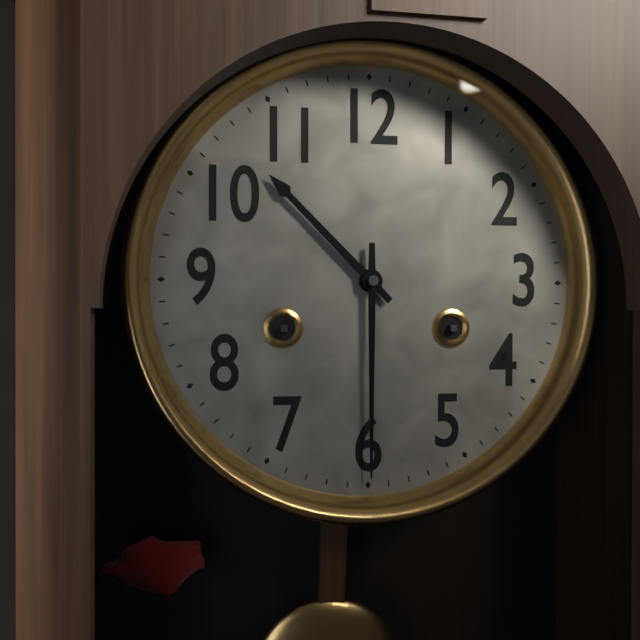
10:30
